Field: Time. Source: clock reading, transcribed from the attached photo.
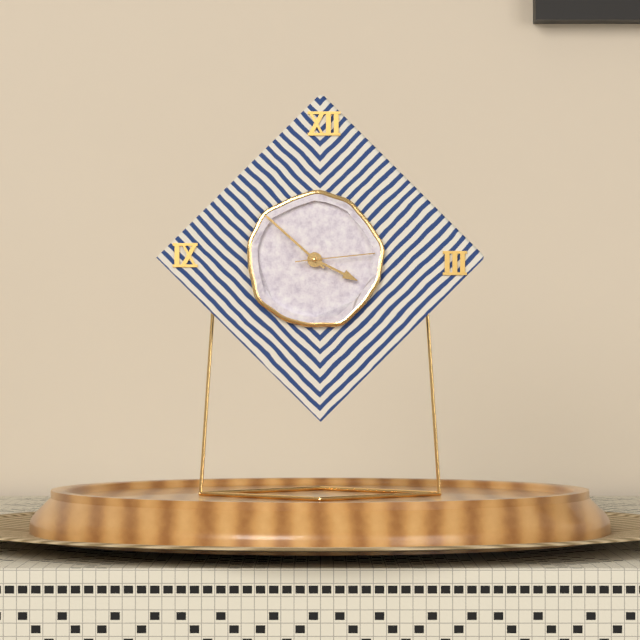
3:52:14
